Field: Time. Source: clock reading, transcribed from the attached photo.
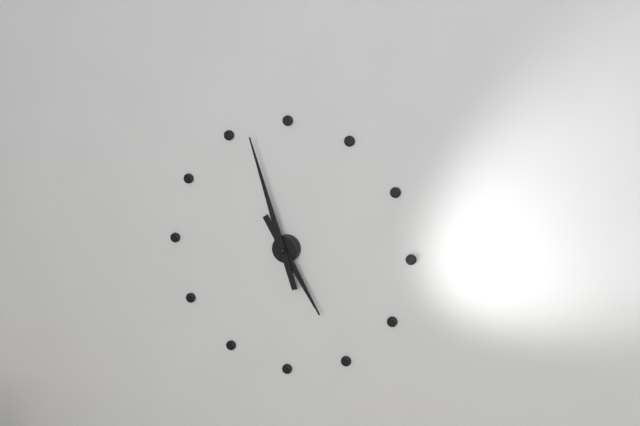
4:57
